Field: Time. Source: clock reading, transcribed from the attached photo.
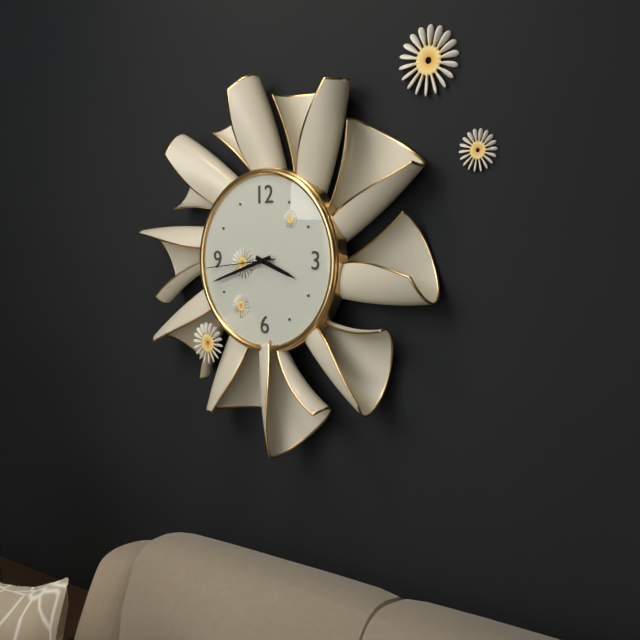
3:42:44
